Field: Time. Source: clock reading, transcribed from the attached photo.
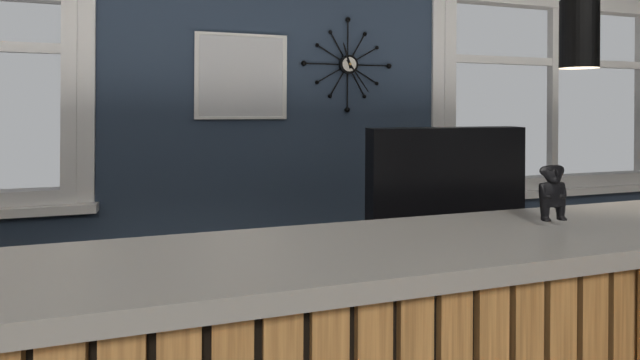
11:24
